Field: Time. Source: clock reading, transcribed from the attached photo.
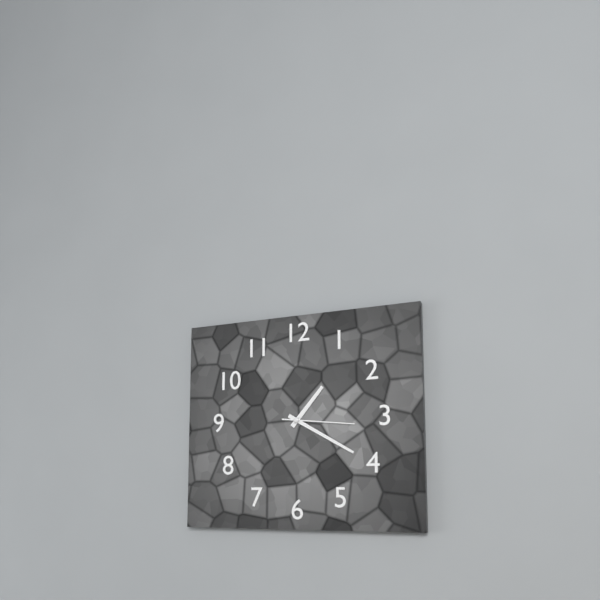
1:20:16
